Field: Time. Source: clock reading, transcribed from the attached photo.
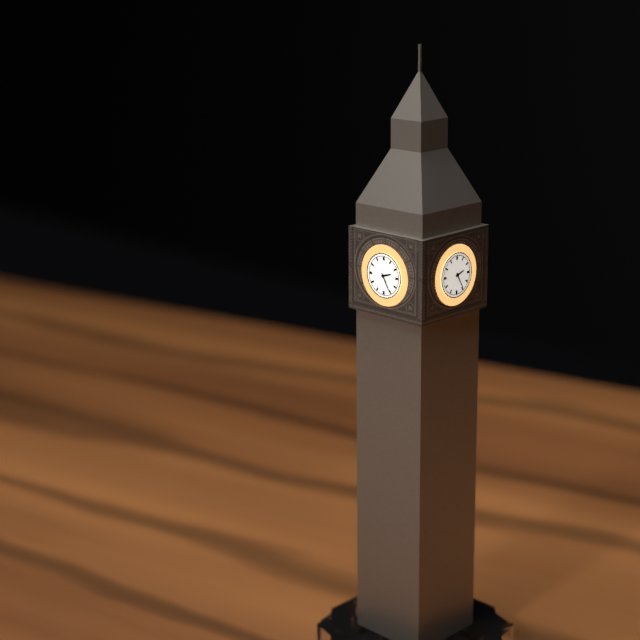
2:25
